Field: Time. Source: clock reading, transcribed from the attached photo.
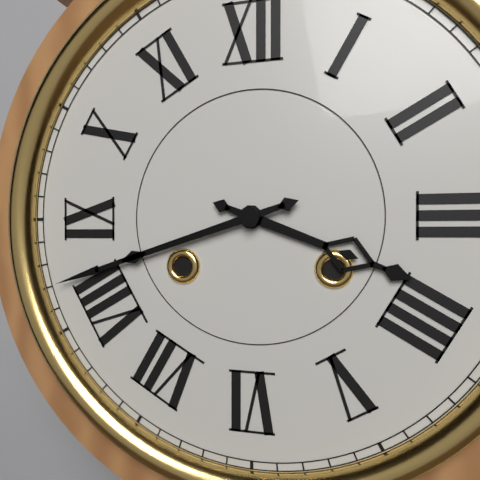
3:42
